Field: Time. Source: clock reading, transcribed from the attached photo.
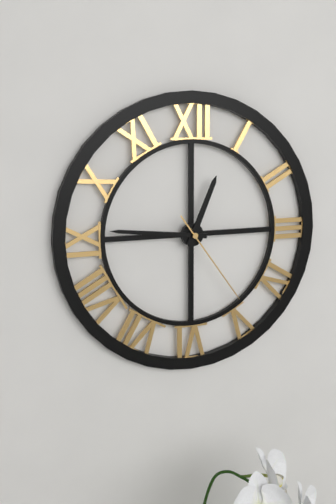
12:46:24
